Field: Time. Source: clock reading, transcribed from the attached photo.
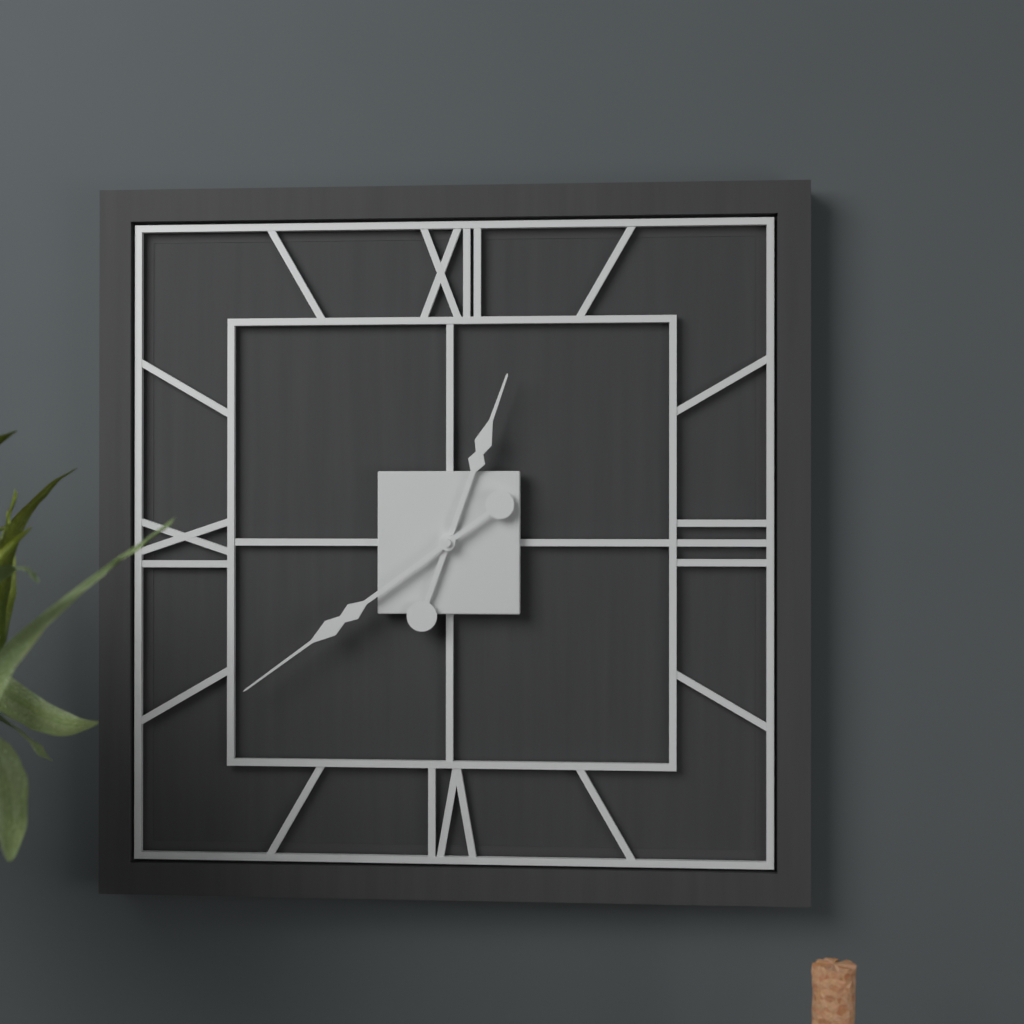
12:39
